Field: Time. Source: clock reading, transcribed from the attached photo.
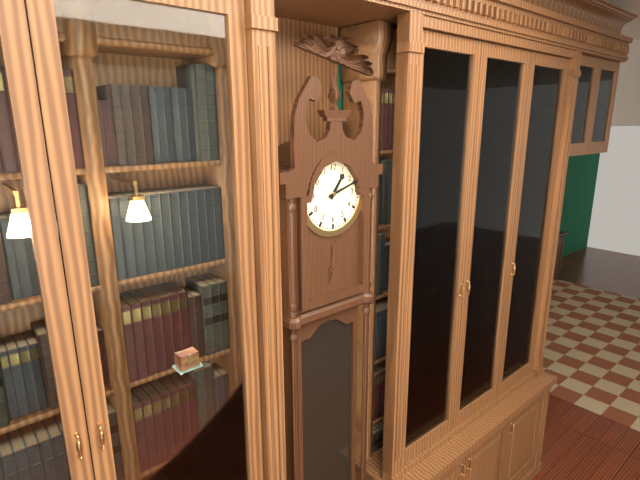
1:12
